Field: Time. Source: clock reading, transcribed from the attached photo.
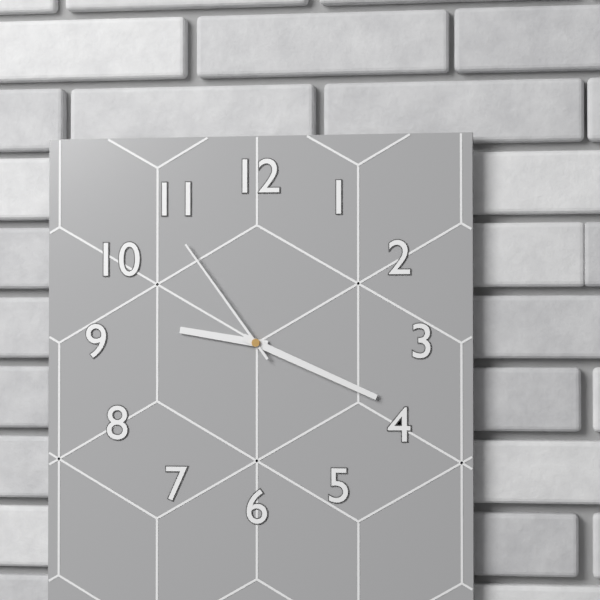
9:19:54
